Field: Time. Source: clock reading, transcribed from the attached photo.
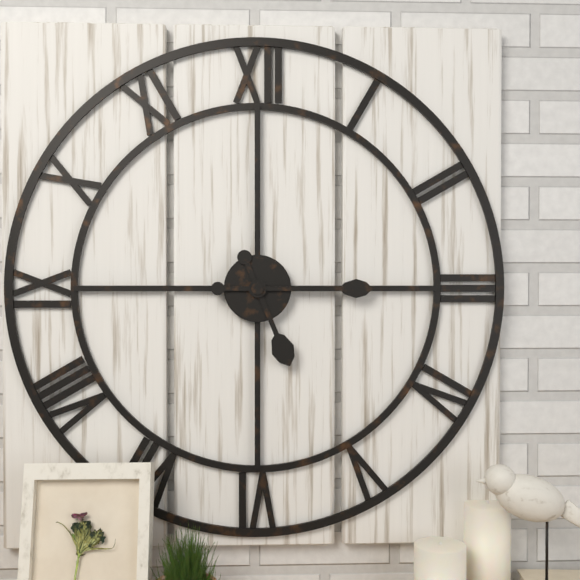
5:15
